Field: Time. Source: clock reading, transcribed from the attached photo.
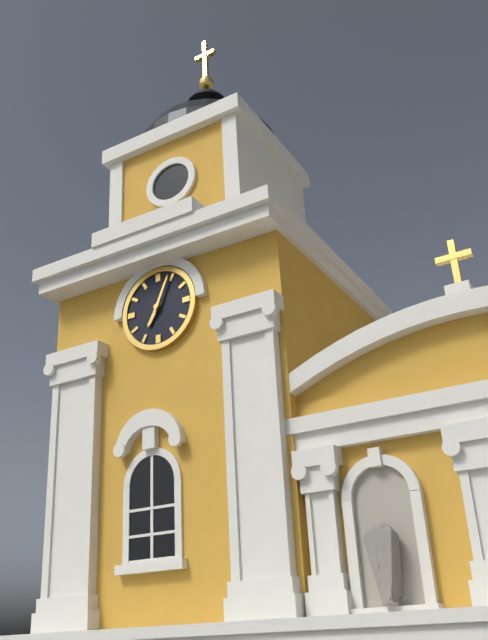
7:04
